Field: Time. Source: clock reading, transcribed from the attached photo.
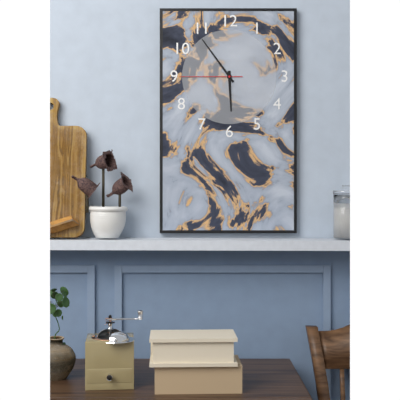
5:54:45
